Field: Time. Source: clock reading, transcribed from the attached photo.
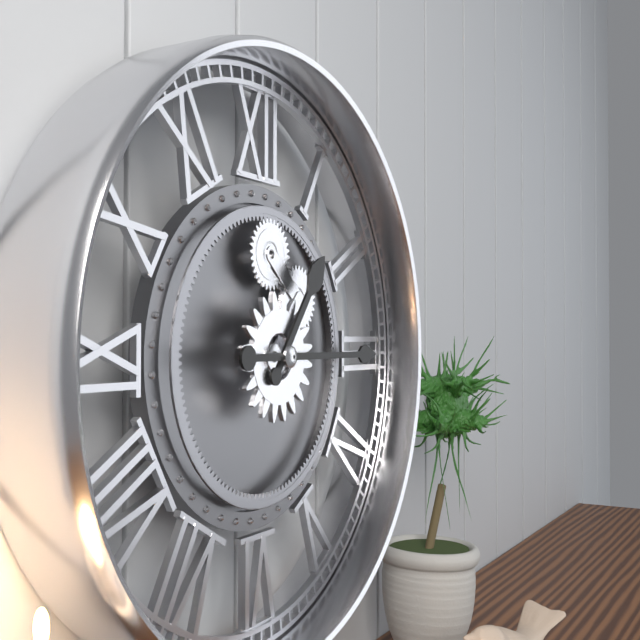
1:15
